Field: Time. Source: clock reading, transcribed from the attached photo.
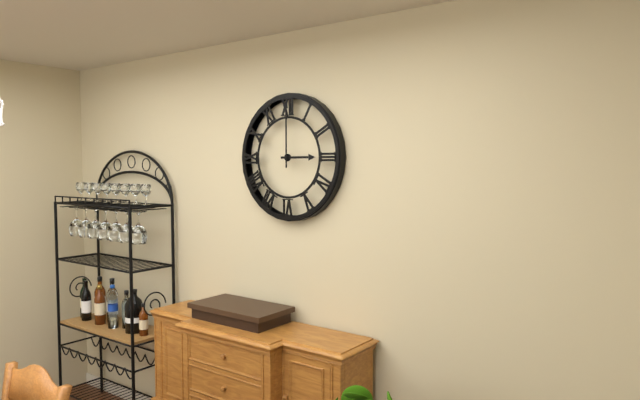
3:00
